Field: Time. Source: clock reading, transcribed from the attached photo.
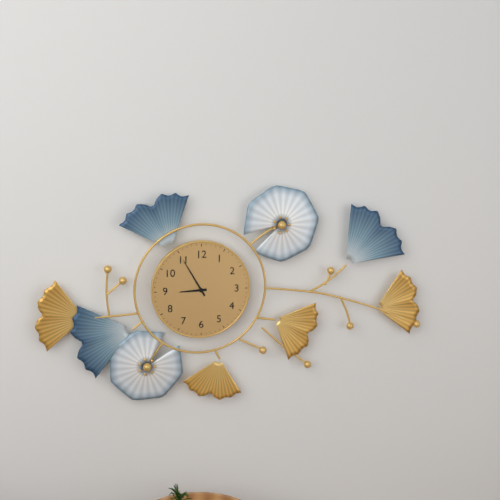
8:55
